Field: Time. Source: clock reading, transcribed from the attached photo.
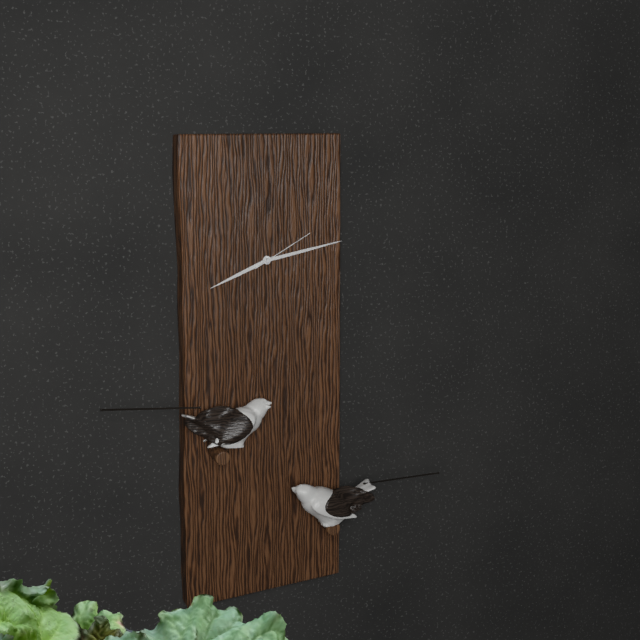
8:13:10
